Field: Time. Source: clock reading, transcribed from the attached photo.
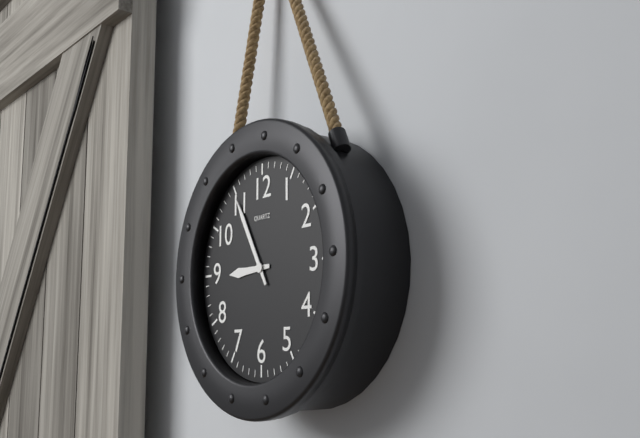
8:55
